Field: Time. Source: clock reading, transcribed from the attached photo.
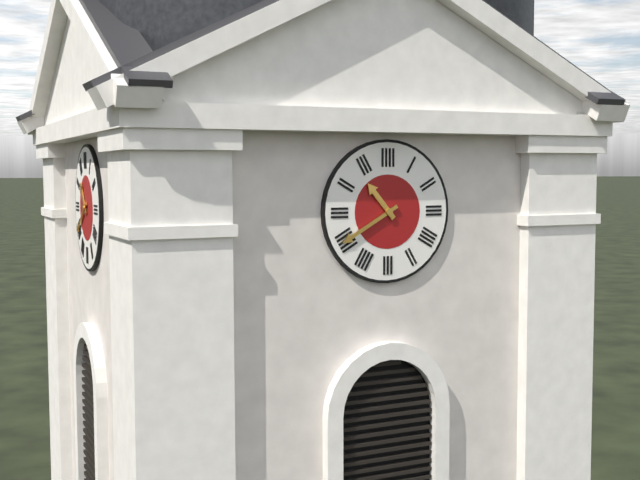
10:40
